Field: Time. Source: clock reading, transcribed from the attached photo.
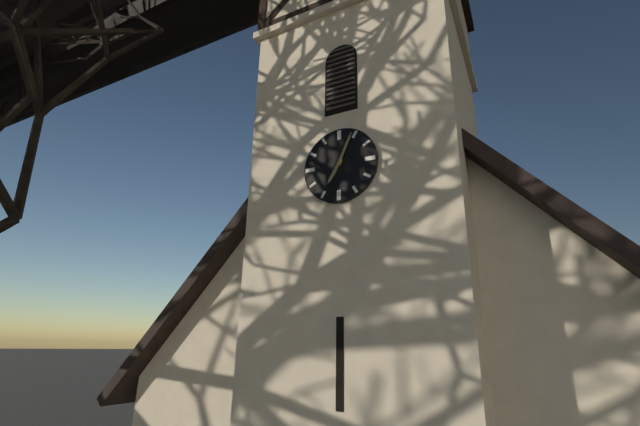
7:04
